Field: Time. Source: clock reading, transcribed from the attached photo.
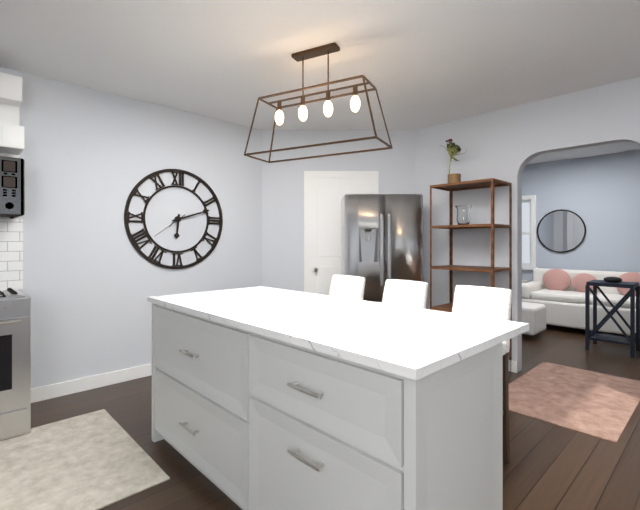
6:12
